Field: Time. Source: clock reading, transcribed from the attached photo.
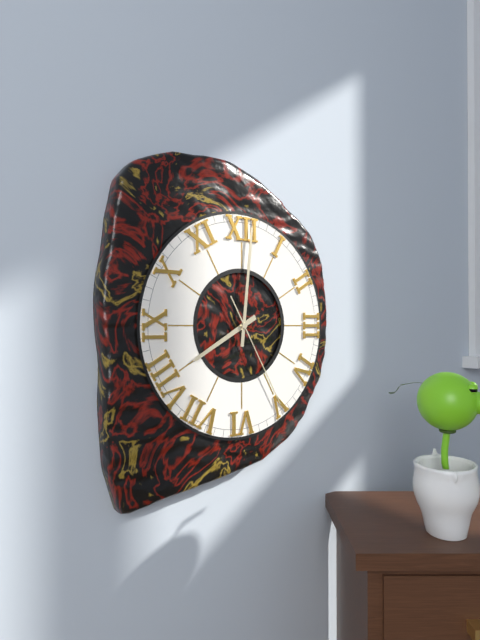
8:01:25
